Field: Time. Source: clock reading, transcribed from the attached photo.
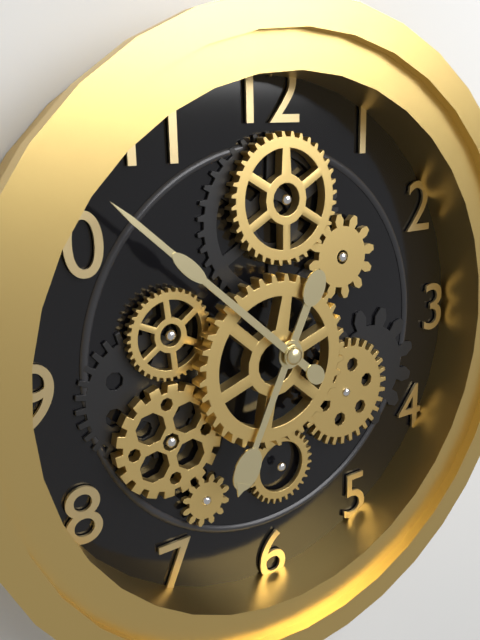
6:52
